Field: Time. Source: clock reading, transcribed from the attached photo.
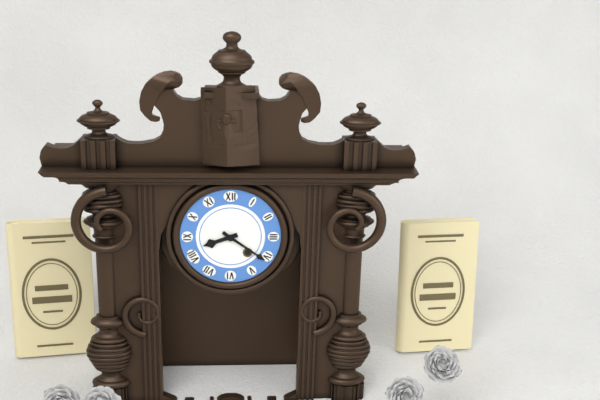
8:21
